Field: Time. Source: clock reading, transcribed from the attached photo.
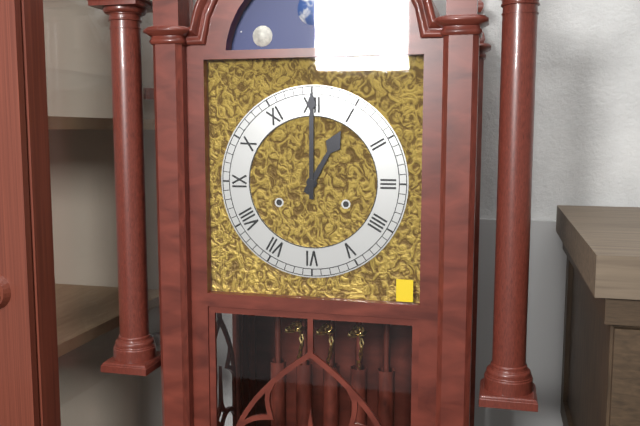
1:00
